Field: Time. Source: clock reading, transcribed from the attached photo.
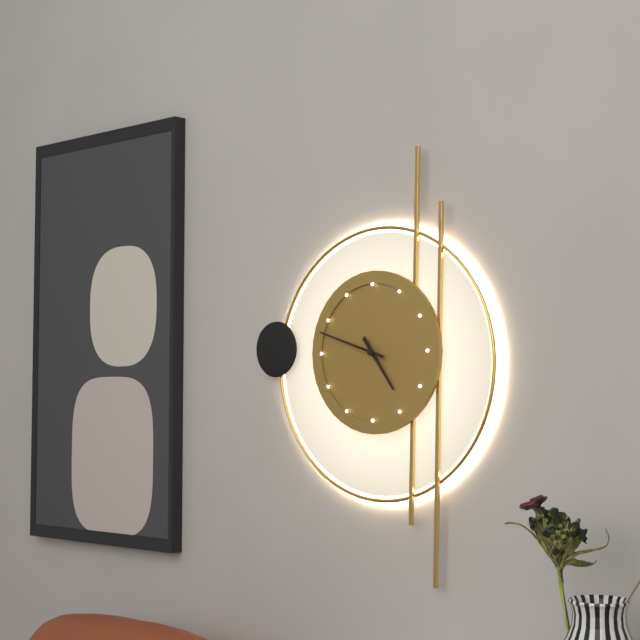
4:48
